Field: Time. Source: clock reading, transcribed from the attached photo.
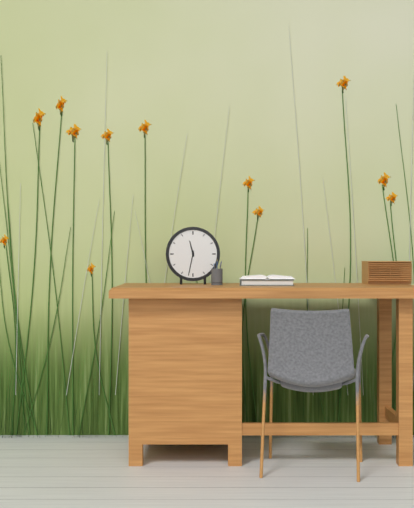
11:32
